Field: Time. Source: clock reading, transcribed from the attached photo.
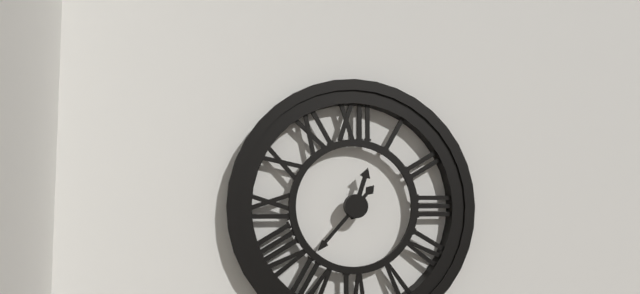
12:37
